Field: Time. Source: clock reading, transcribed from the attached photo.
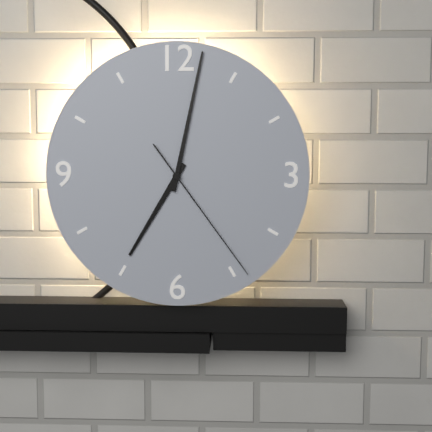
7:02:24
